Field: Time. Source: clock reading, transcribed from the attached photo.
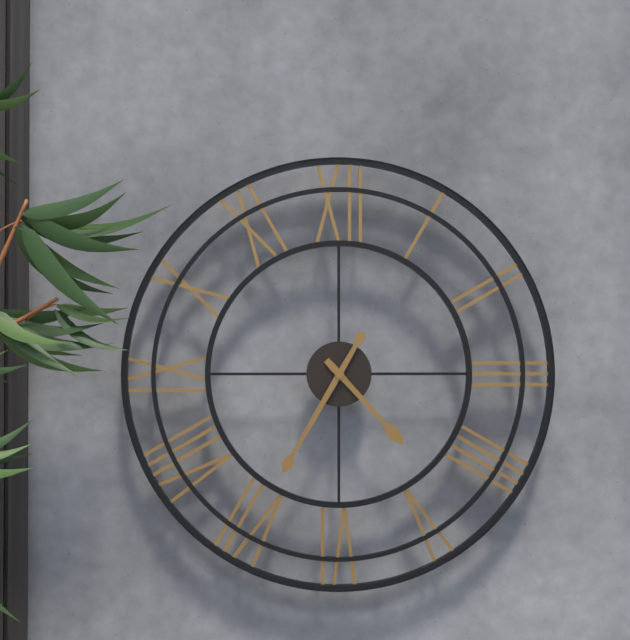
4:35
